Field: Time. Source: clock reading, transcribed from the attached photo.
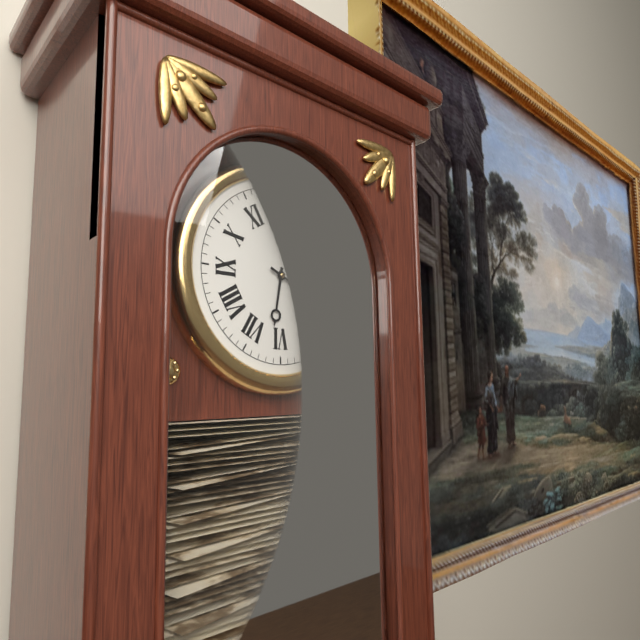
6:19
